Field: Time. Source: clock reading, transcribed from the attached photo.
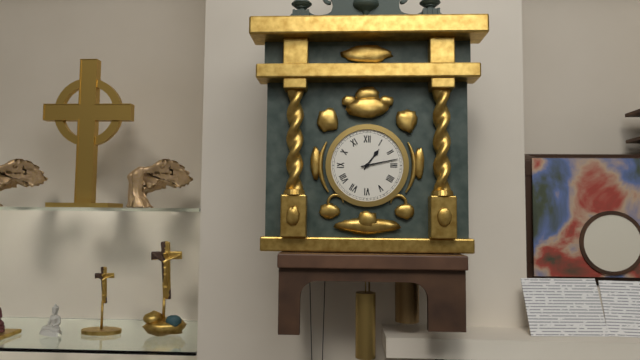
1:13
